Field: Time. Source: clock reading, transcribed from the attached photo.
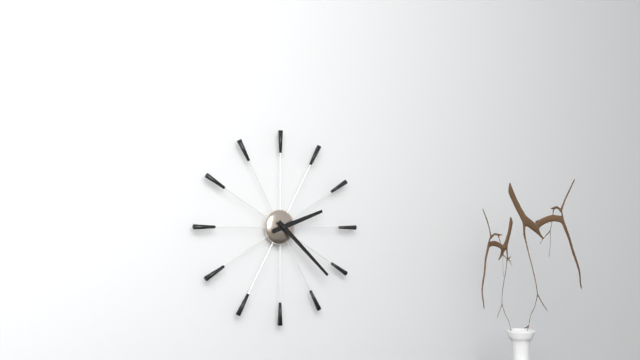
2:22
